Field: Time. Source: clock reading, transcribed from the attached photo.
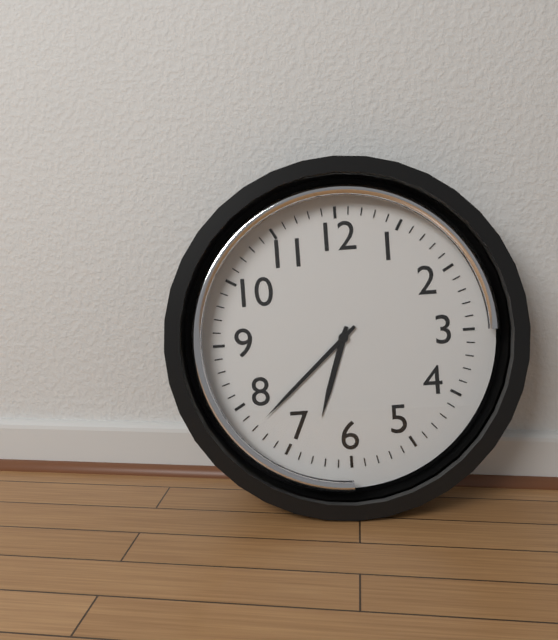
6:38
